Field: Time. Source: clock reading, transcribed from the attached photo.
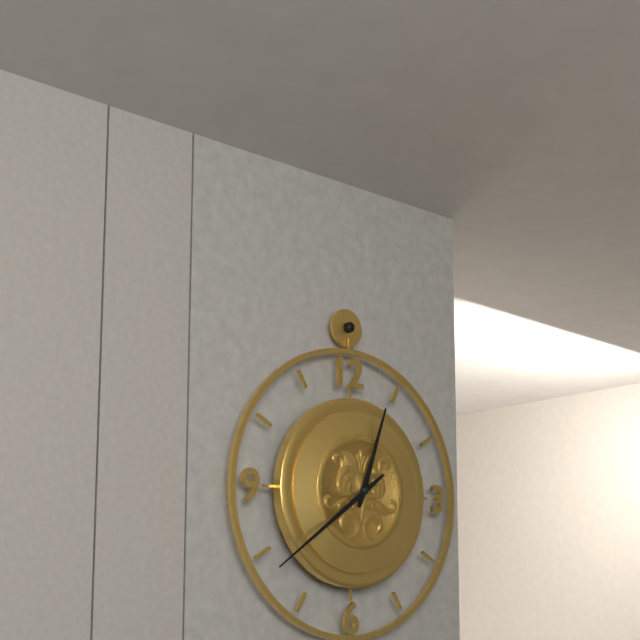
12:39
